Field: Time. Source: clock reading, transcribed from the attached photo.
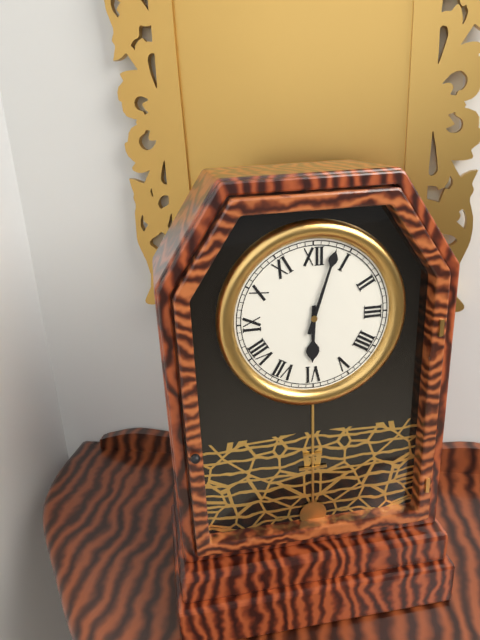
6:03
